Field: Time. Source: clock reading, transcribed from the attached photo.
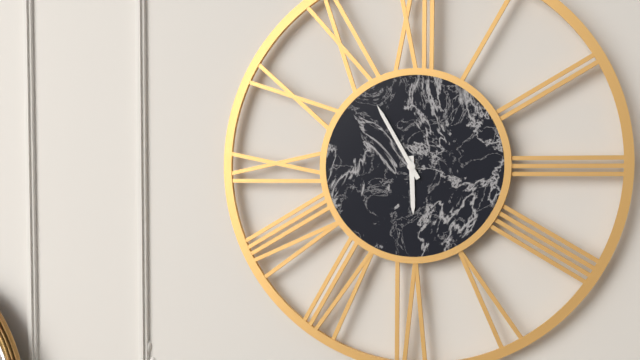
5:55
